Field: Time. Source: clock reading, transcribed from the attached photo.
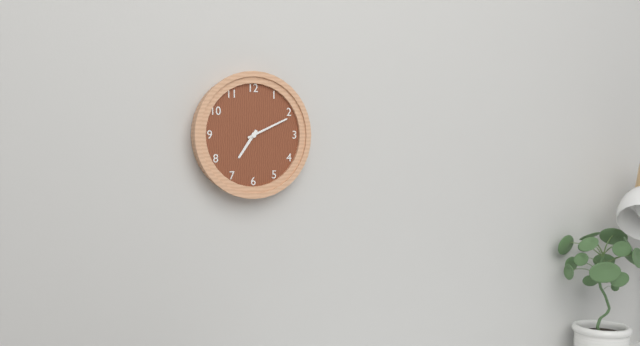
7:11
